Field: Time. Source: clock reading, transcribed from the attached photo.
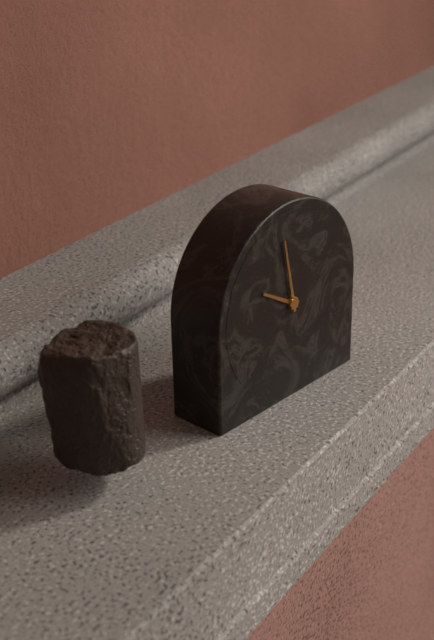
9:58
